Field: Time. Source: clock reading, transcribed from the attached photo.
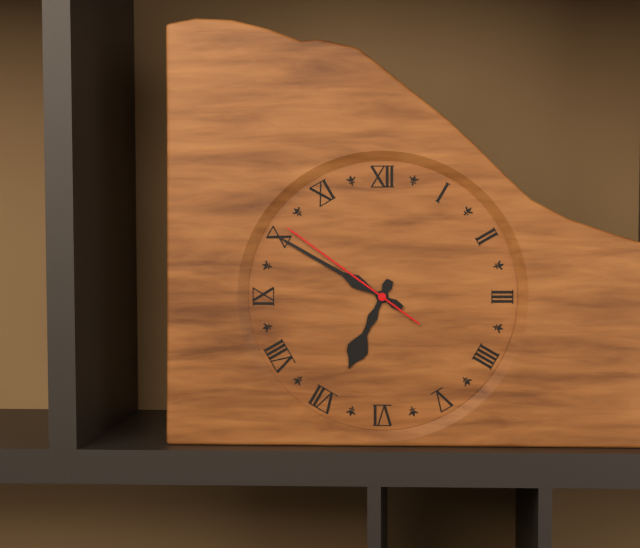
6:50:51
